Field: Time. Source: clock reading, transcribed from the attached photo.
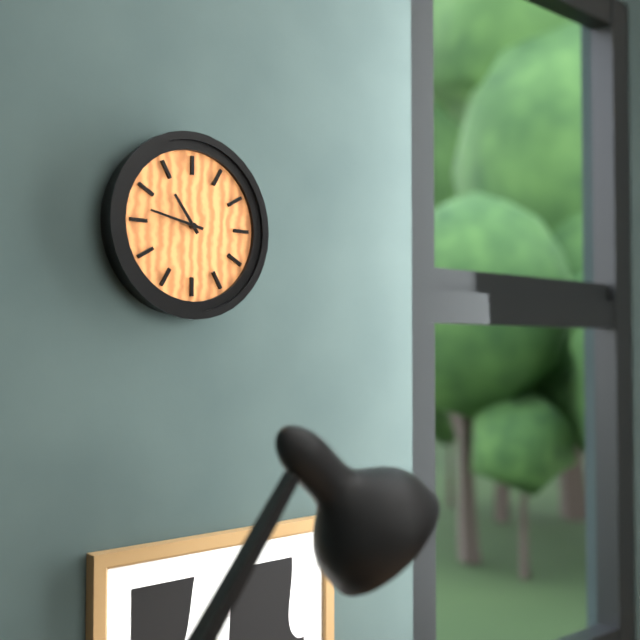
10:47
